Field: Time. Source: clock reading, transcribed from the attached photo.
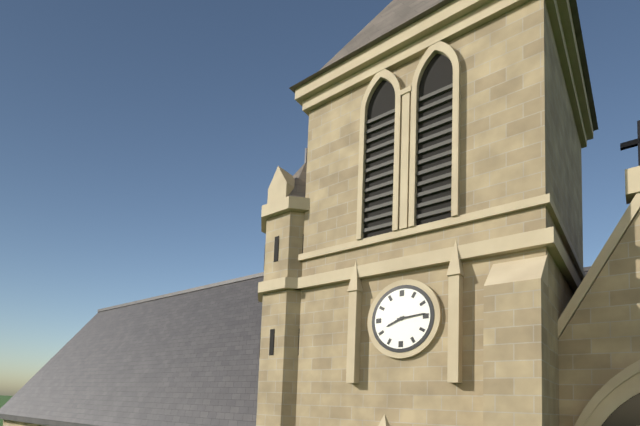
8:14
